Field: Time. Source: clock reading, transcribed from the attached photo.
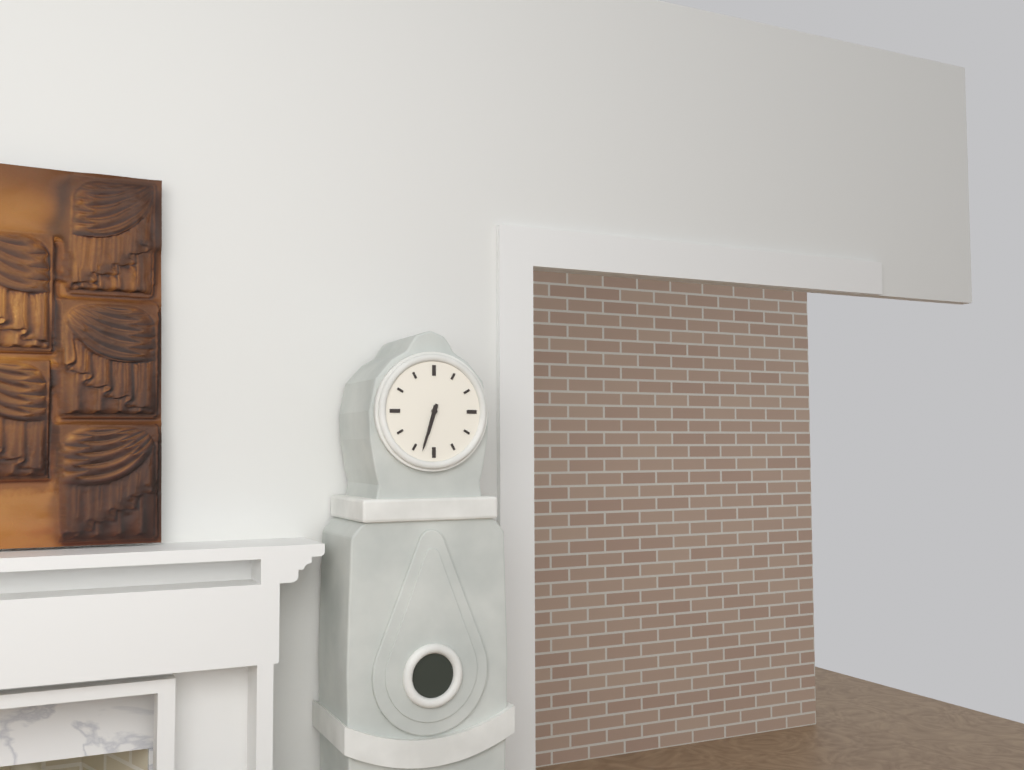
6:33
